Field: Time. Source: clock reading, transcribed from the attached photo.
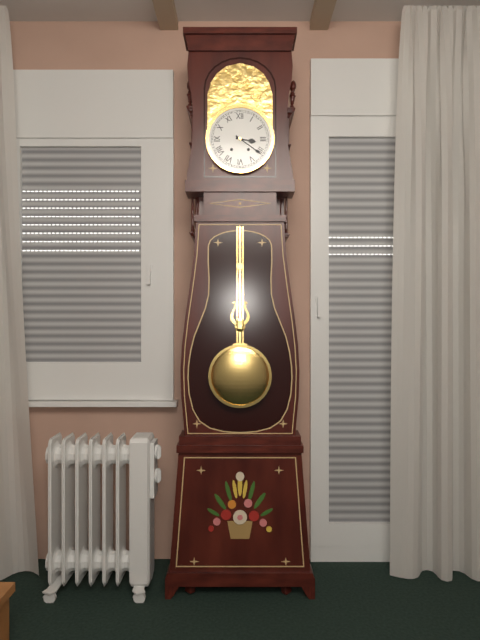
3:21
